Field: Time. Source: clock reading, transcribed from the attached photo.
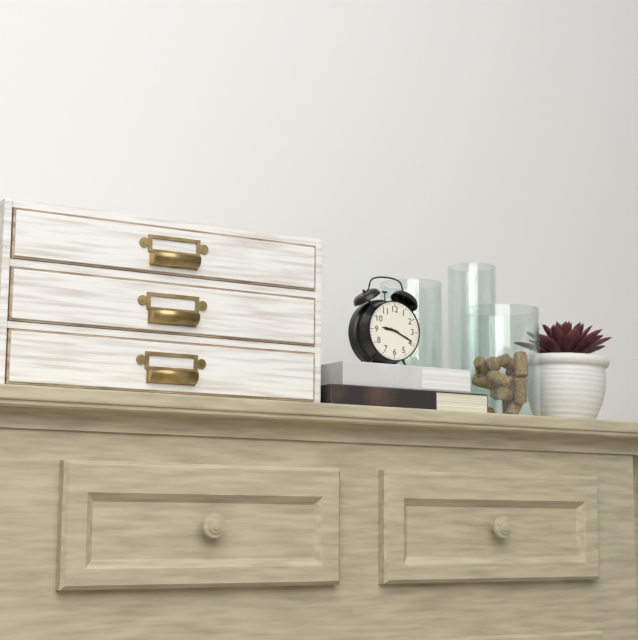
9:19
